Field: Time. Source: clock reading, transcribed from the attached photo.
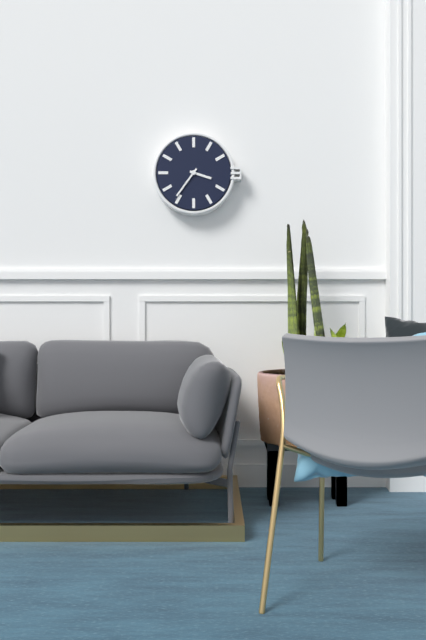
3:36
